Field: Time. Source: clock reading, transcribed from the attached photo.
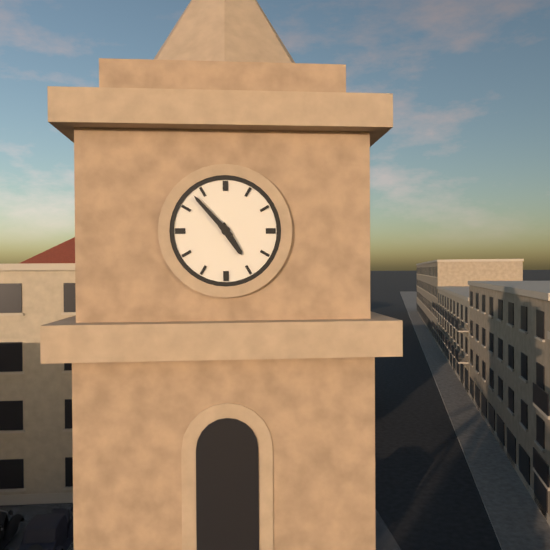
4:53
